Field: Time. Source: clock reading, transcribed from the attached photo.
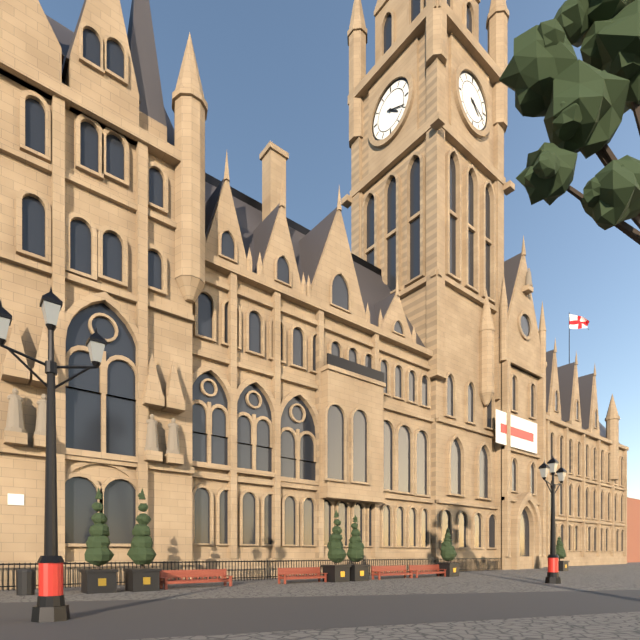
4:19
